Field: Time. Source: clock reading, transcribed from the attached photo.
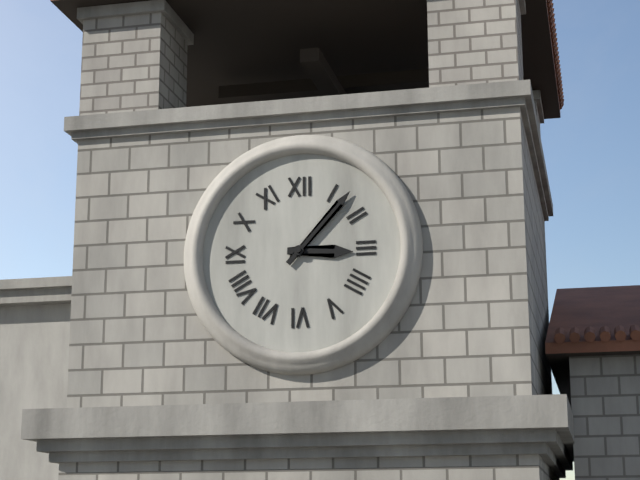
3:07
